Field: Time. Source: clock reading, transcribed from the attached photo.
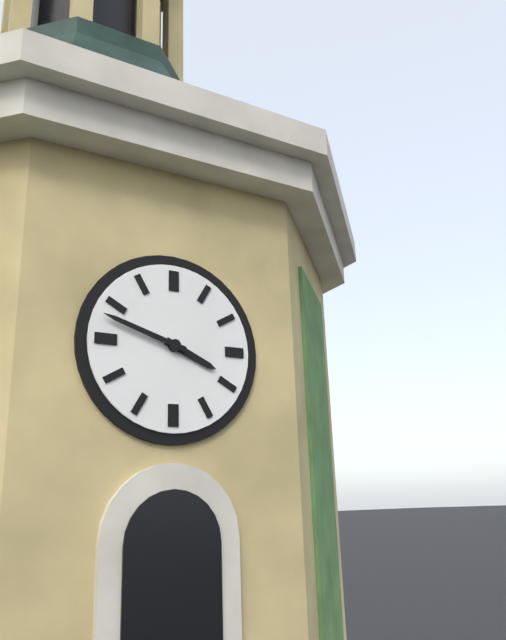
3:48
